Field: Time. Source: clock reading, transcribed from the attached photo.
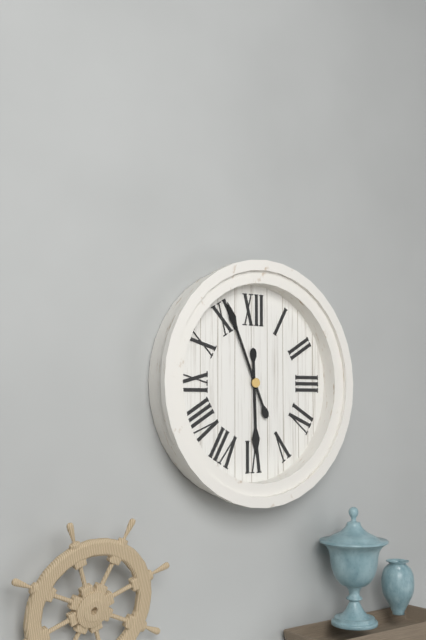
5:56
